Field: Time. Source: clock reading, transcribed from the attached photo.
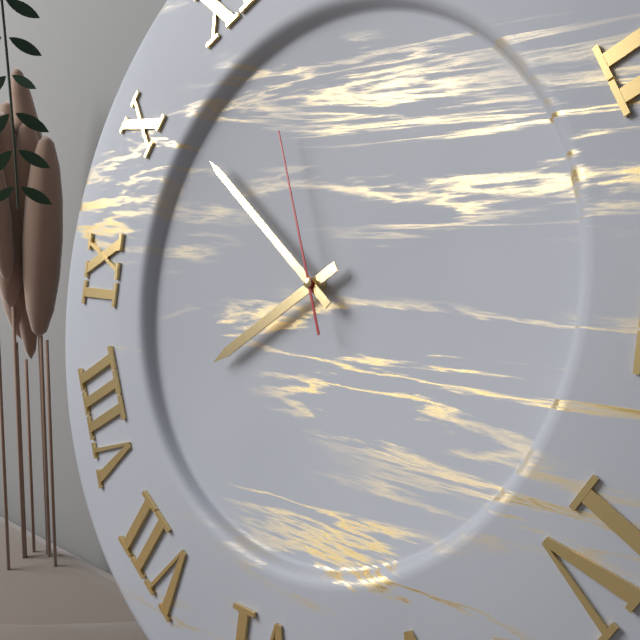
7:51:56
